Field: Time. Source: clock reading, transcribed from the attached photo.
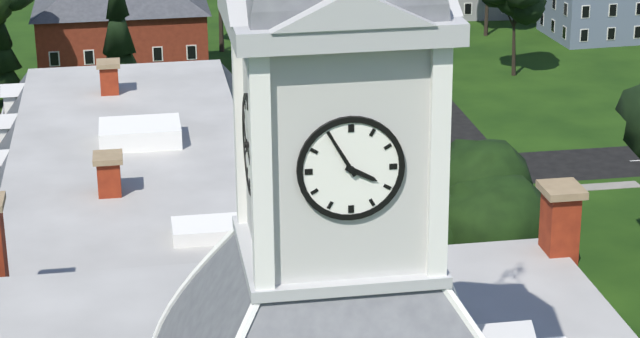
3:55
